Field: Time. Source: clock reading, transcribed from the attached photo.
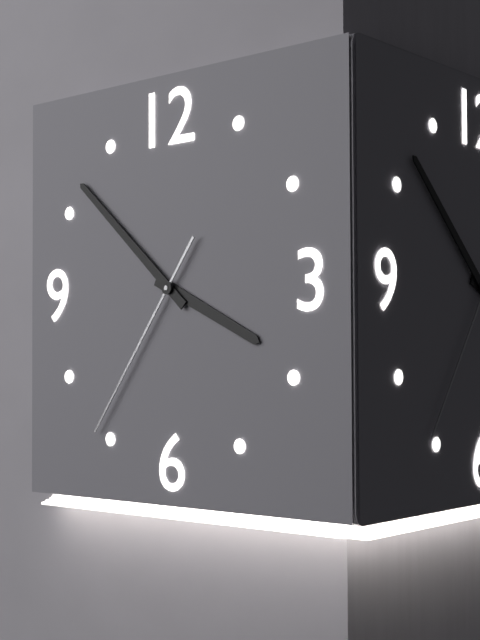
3:52:36
